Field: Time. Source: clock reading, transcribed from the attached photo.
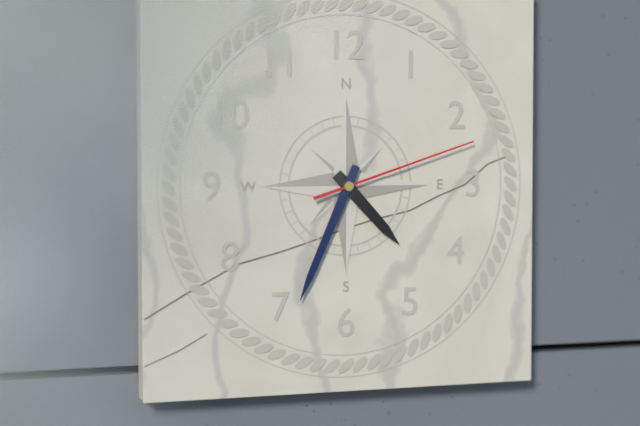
4:34:12
